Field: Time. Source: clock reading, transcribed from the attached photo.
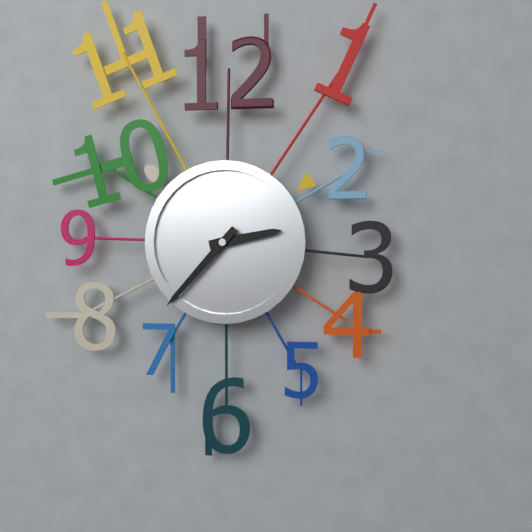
2:37
